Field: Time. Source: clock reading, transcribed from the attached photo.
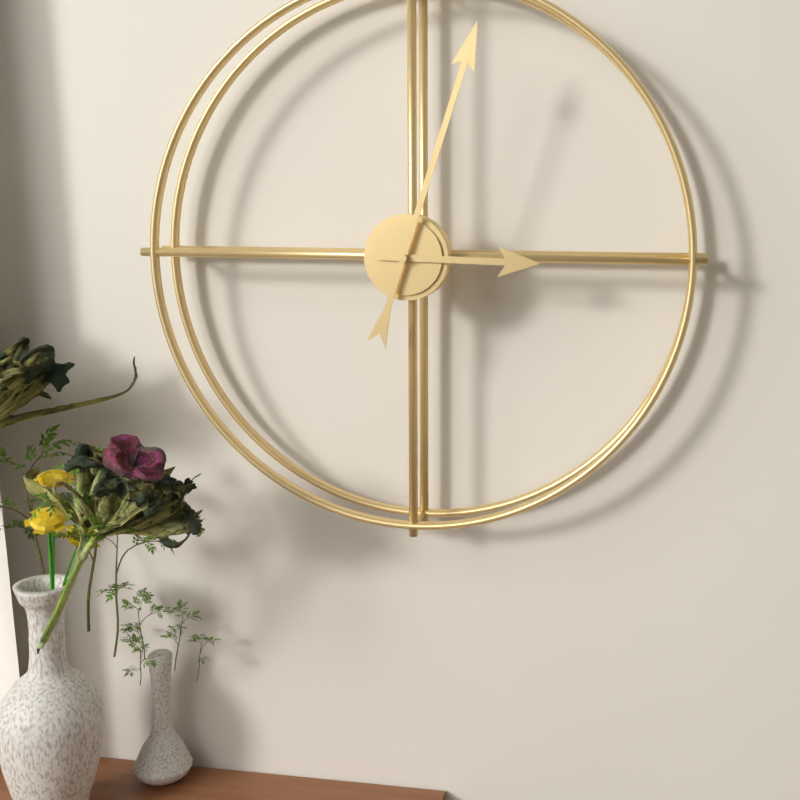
3:03
